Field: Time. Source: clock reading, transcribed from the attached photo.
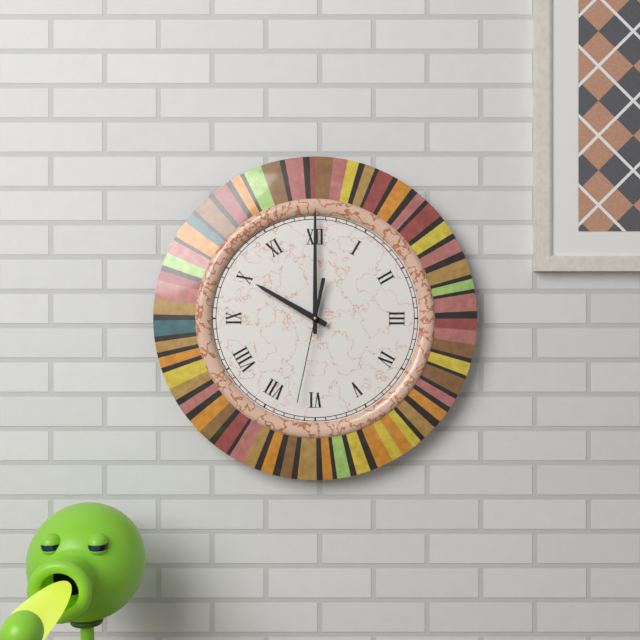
10:00:32
